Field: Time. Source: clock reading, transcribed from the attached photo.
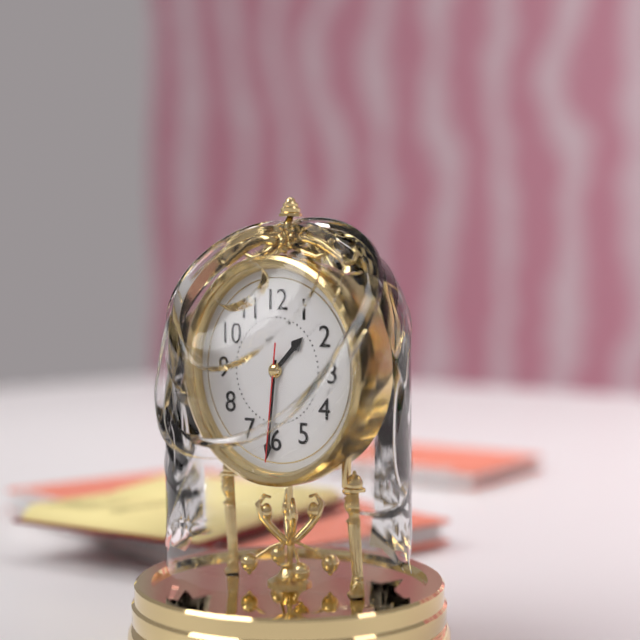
1:31:31
